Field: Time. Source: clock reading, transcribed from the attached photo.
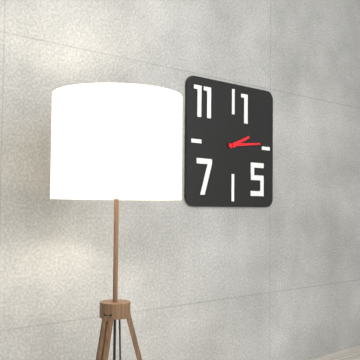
2:14
